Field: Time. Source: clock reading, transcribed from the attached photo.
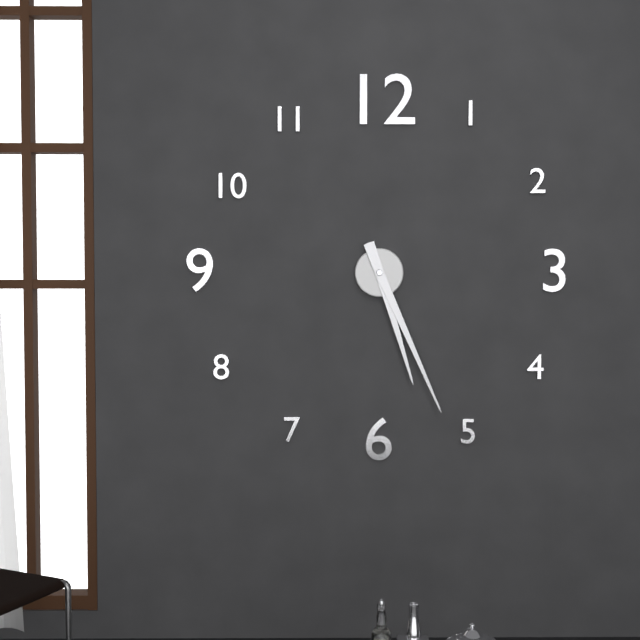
5:26
